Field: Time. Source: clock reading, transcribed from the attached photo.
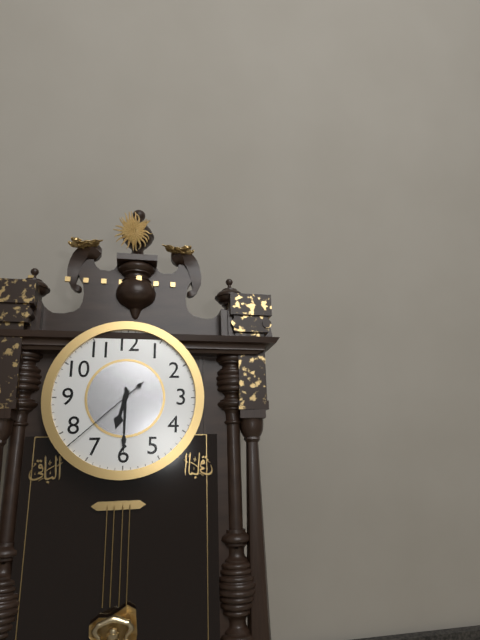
6:30:38
